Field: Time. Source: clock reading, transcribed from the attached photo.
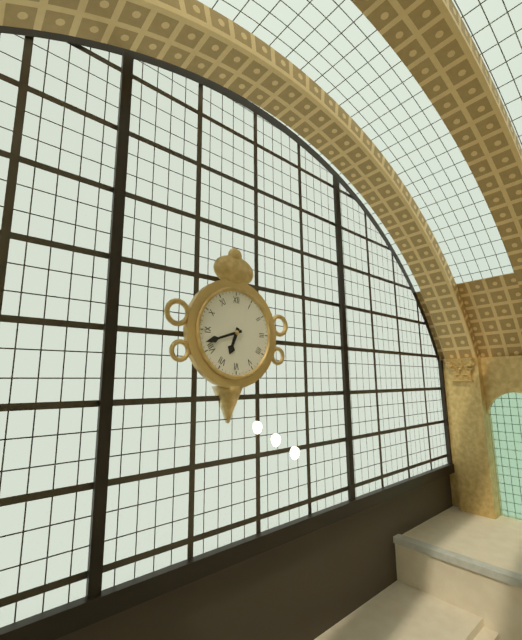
6:42
